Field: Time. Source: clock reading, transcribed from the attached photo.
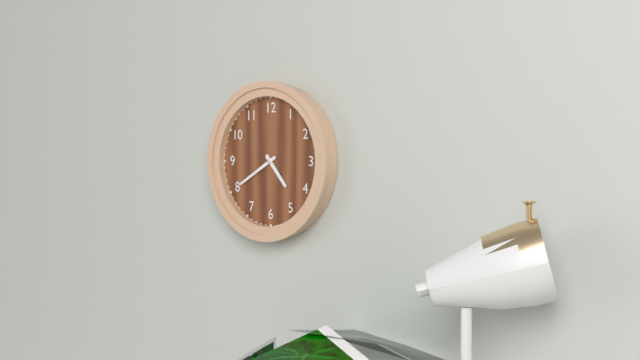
4:40
